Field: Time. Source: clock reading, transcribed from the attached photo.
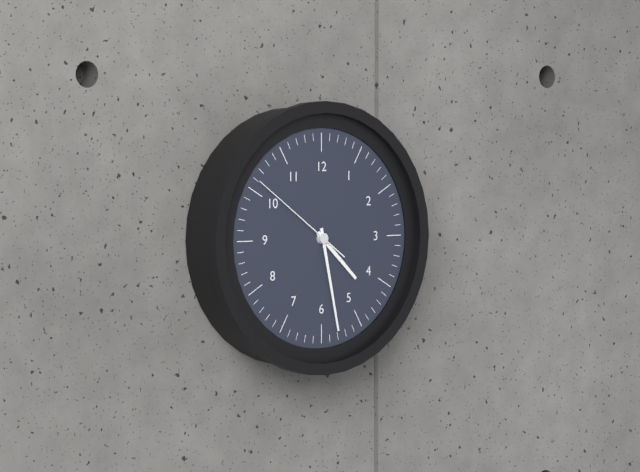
4:28:51
